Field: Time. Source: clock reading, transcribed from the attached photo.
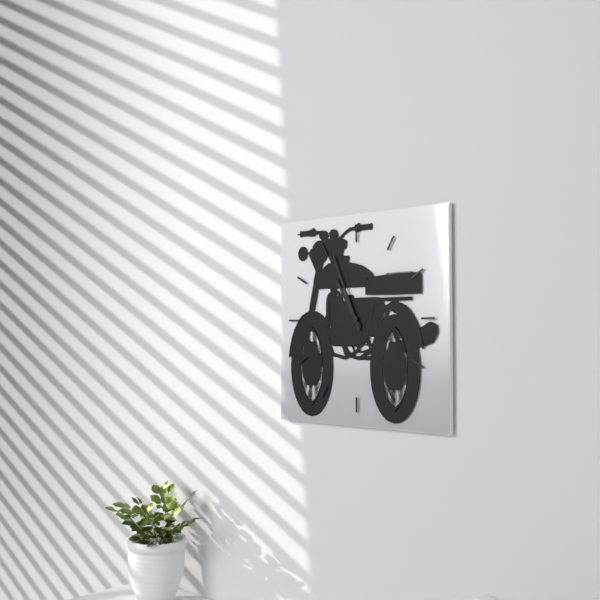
10:56
